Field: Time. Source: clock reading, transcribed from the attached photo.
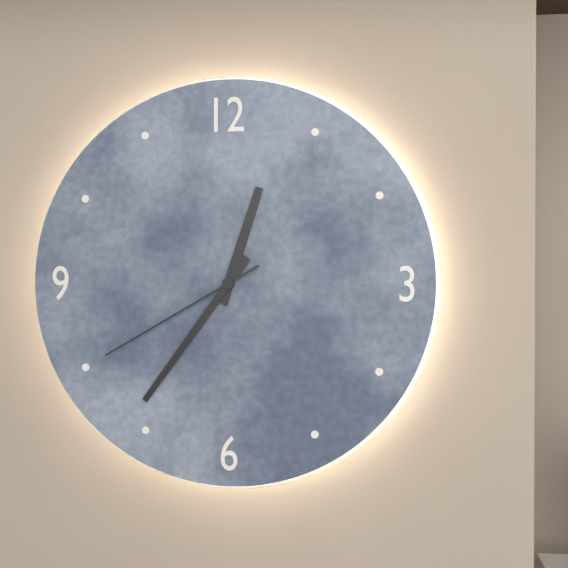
12:36:40
